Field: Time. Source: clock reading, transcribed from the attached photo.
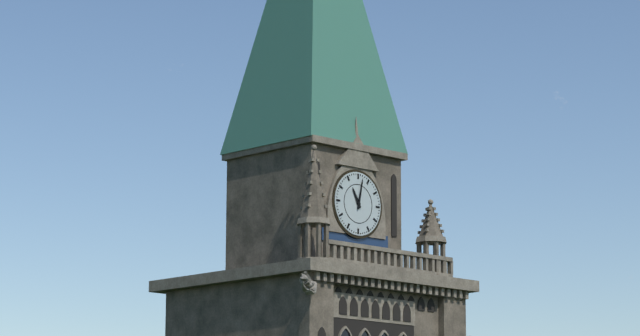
11:02
